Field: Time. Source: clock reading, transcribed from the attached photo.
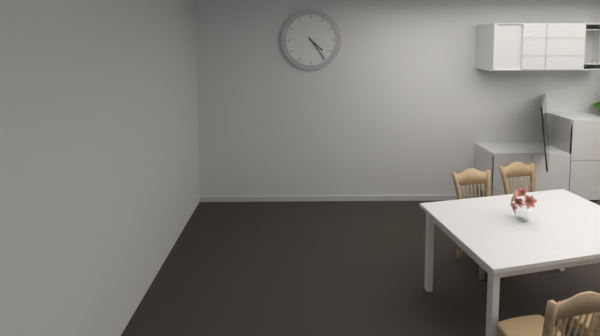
4:24
